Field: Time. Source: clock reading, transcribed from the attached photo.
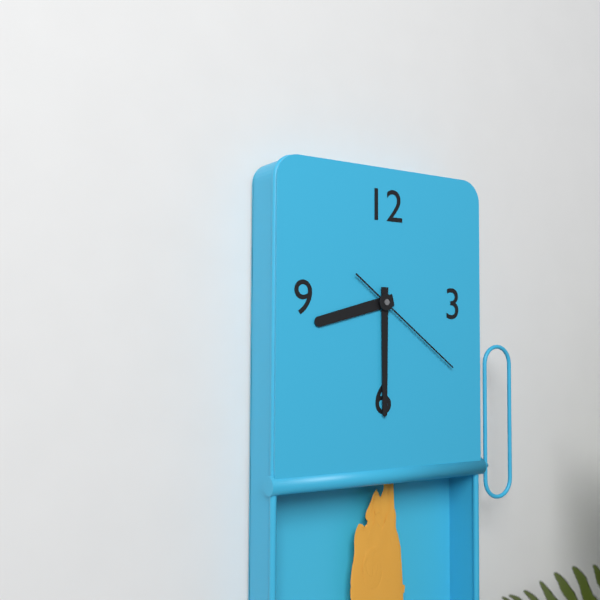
8:30:21
